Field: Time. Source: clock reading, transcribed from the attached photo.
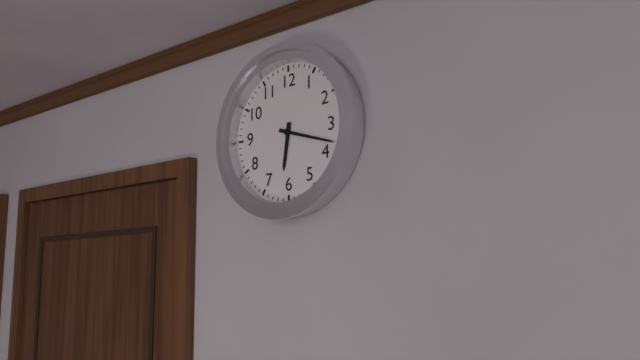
6:18
